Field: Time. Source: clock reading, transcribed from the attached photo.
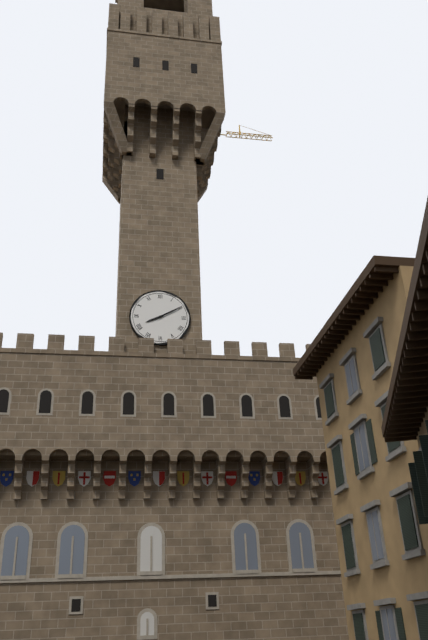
8:10
